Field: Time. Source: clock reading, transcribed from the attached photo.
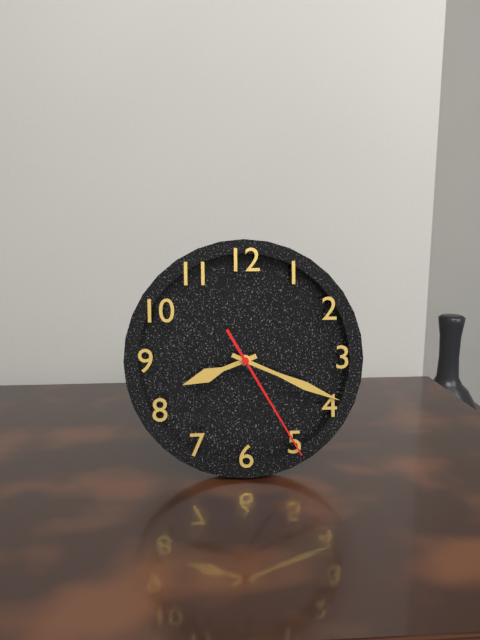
8:19:25
